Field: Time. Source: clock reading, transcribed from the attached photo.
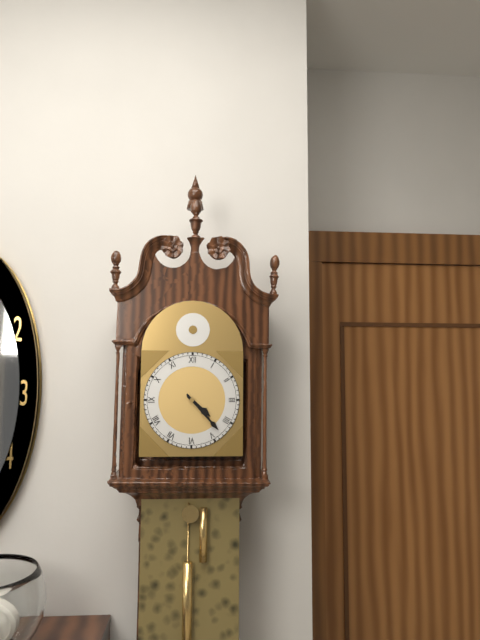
4:23
